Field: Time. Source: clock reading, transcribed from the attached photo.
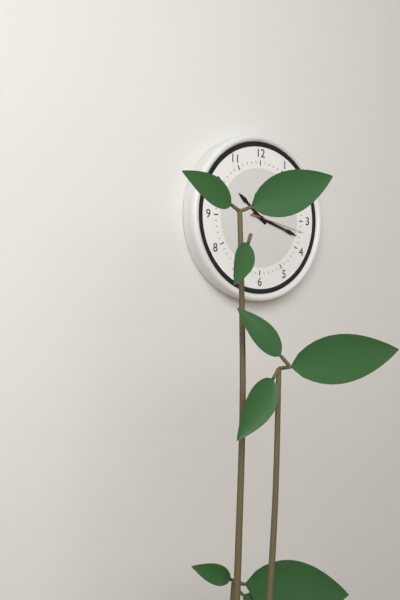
10:18:17
